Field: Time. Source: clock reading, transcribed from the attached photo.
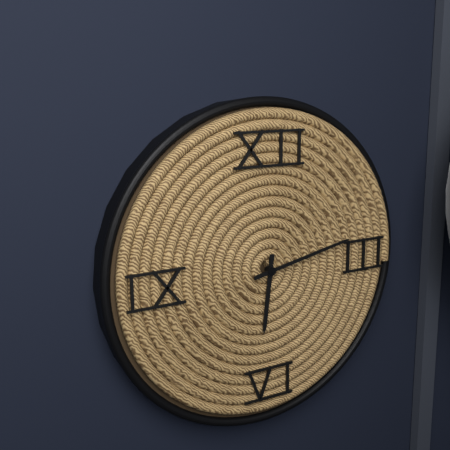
6:13
